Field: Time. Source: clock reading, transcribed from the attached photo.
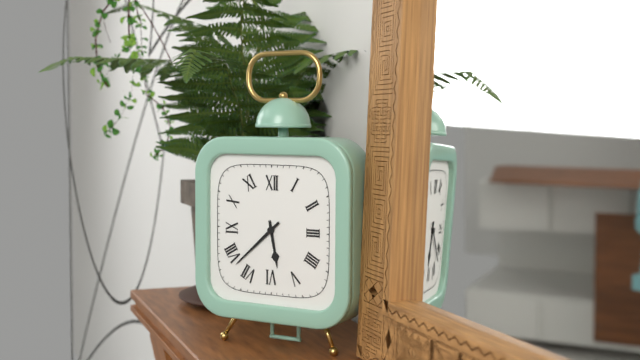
5:38
